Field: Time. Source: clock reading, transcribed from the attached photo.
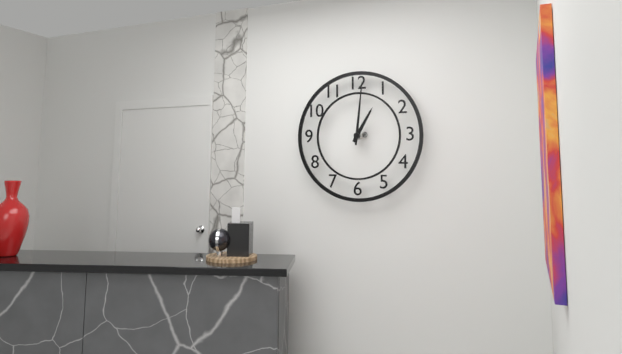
1:01
